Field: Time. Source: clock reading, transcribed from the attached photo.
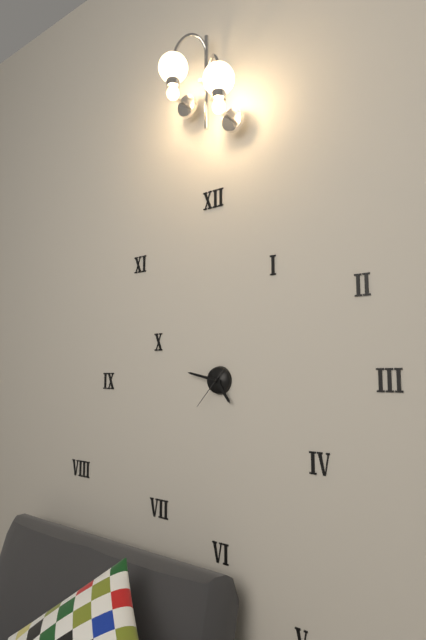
4:47
